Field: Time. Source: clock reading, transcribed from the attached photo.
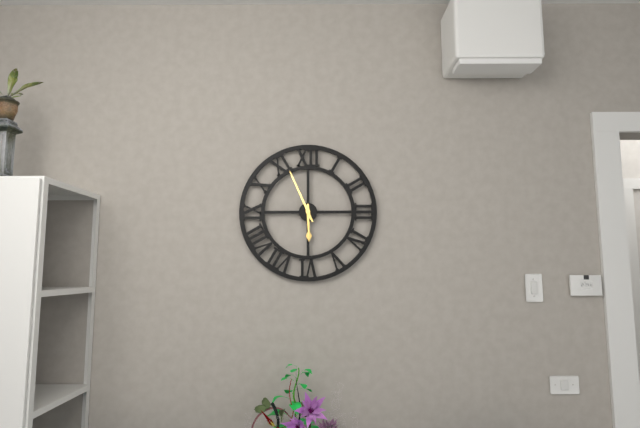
5:56
